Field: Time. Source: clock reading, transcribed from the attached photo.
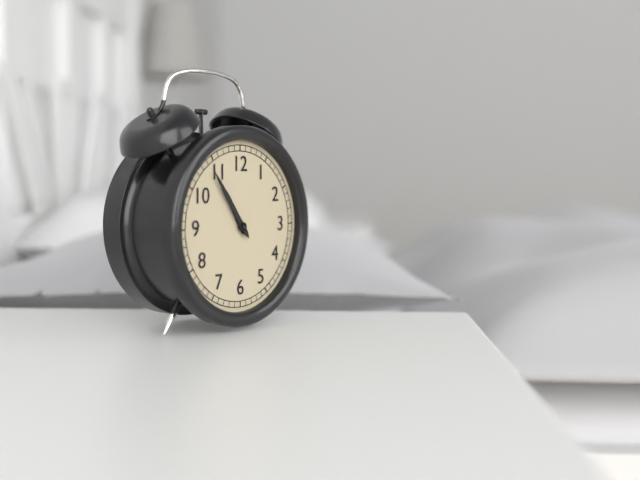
10:54
